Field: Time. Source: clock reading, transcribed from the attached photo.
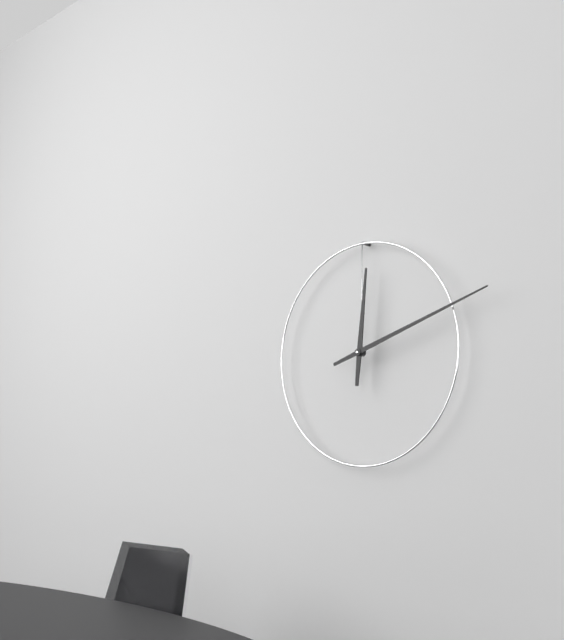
12:12
